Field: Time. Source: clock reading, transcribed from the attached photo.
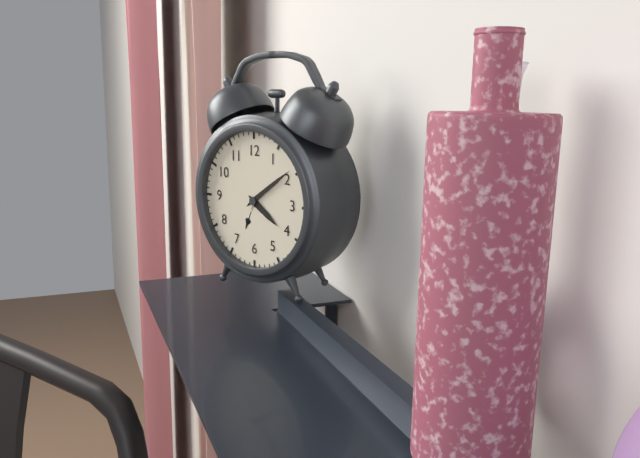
4:09
